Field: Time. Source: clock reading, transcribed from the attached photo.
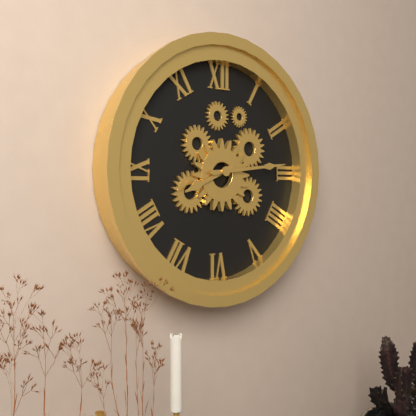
8:14
